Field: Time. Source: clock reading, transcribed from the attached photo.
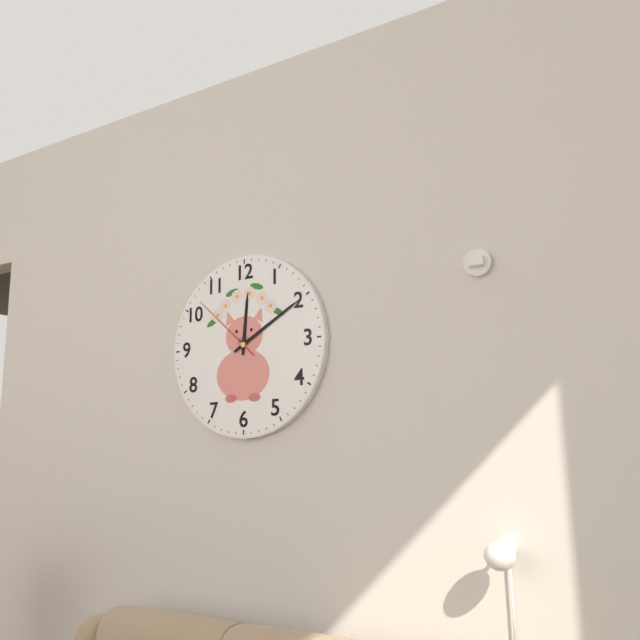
12:10:52
